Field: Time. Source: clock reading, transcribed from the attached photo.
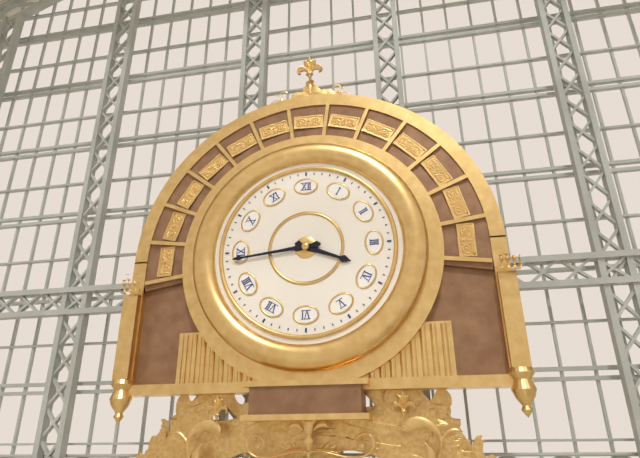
3:44
